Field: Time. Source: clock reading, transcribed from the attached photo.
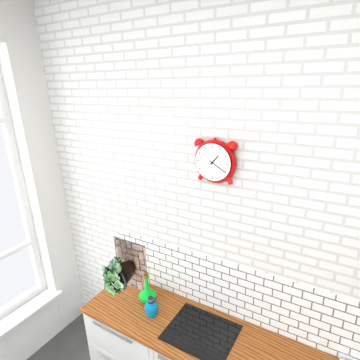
1:20
